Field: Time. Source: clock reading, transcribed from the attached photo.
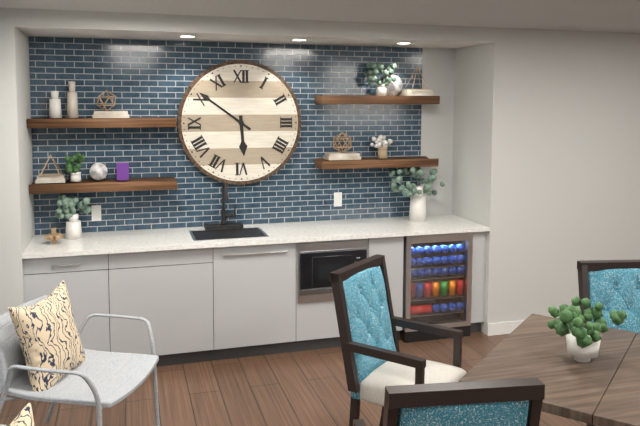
5:51
